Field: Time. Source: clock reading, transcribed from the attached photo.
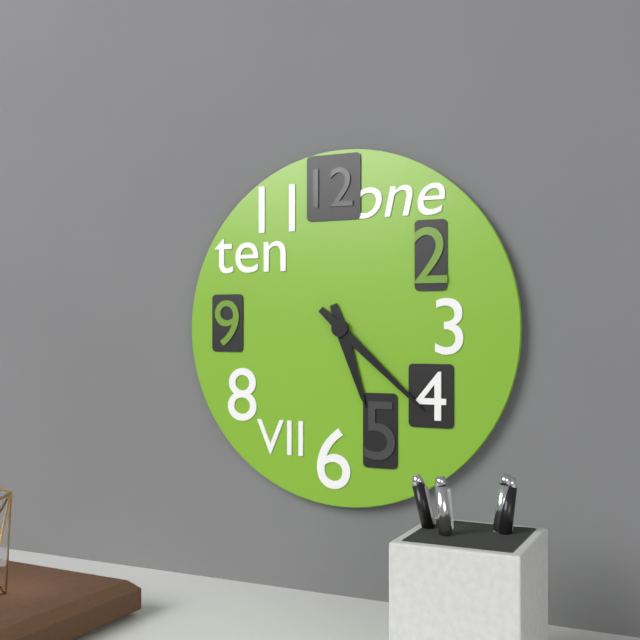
5:22
